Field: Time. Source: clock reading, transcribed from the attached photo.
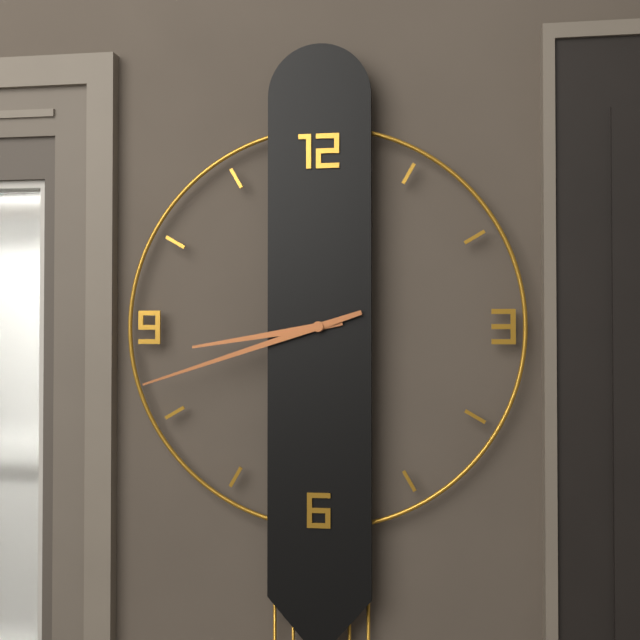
8:42
